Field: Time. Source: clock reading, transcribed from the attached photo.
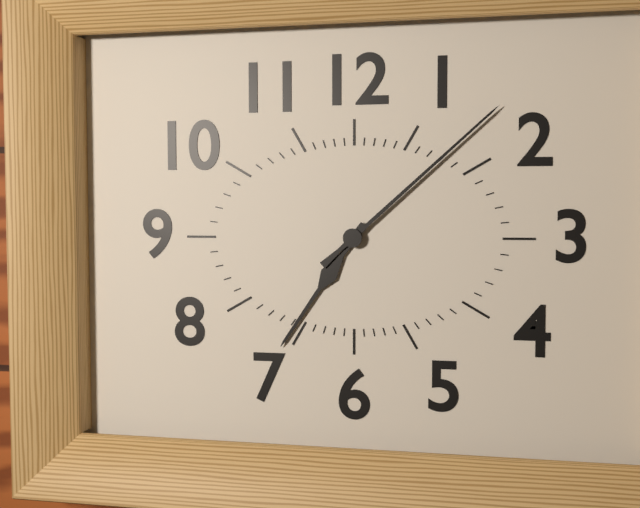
7:08
